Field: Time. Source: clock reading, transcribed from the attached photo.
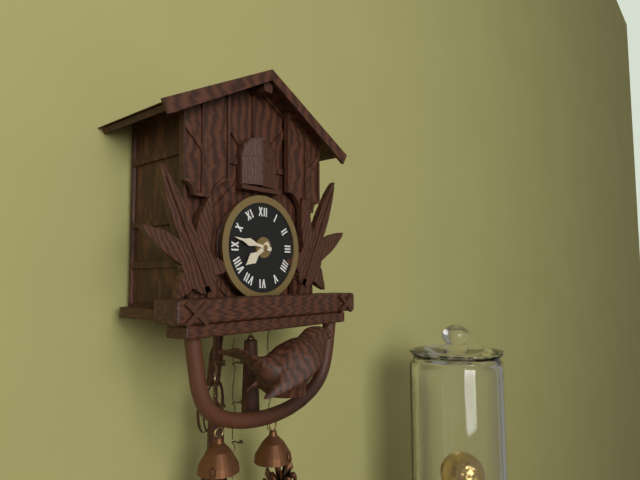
7:47
